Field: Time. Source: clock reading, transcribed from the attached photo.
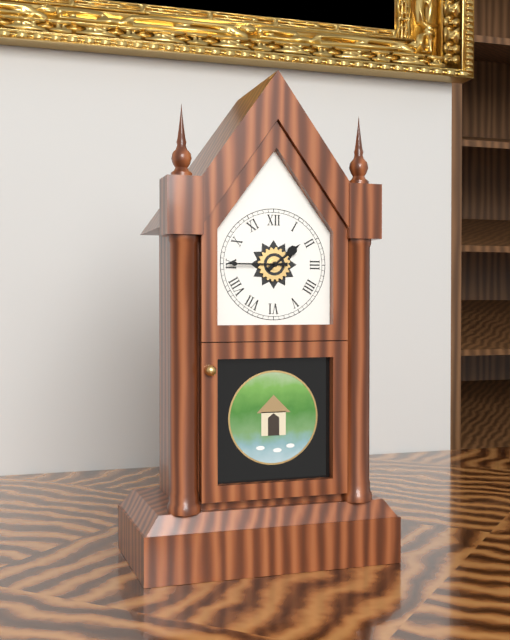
1:45
